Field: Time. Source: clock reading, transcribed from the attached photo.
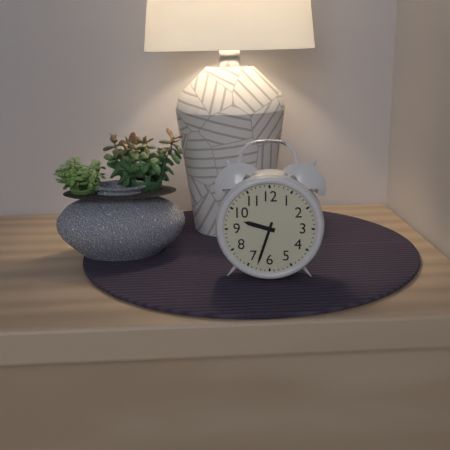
9:33
